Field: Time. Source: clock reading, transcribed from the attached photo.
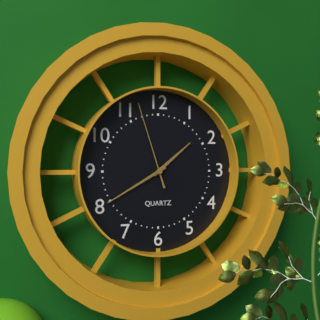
1:40:57
